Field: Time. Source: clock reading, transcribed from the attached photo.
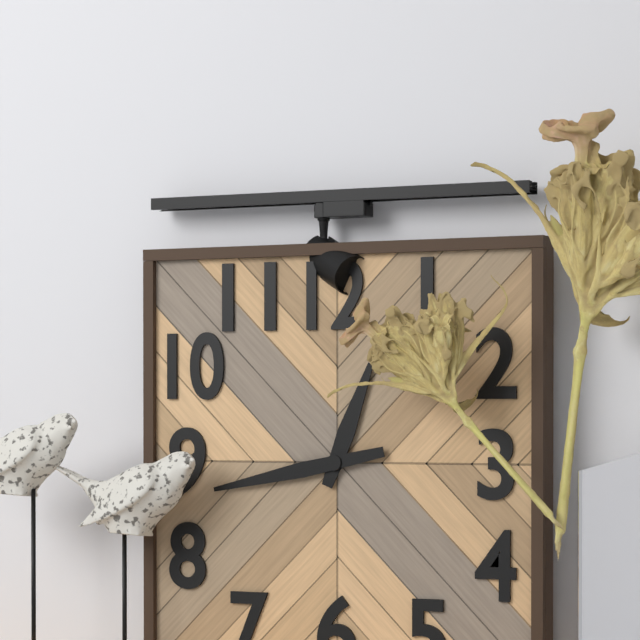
12:43
